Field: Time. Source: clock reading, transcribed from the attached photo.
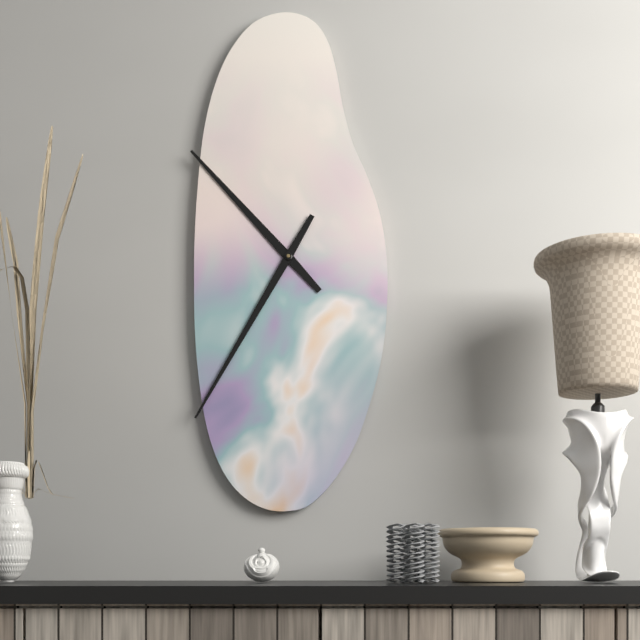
10:35
